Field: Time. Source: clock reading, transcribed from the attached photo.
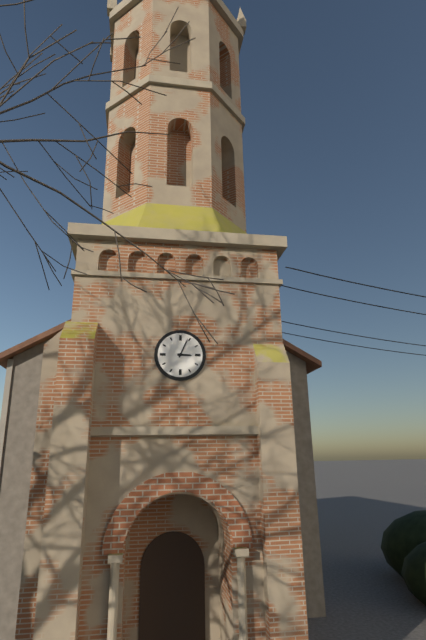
3:04
